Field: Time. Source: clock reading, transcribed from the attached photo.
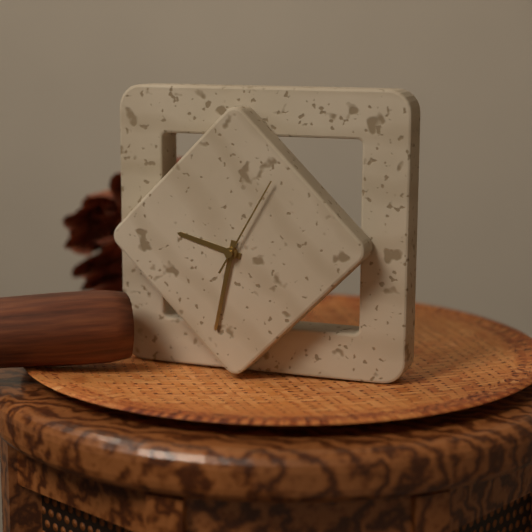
9:32:05
